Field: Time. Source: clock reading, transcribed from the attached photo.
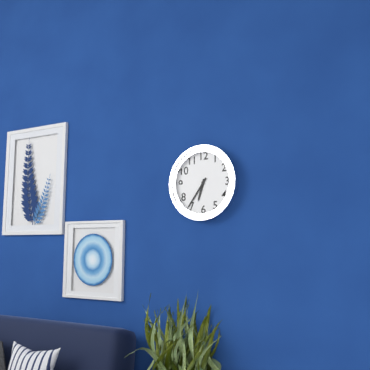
6:36
